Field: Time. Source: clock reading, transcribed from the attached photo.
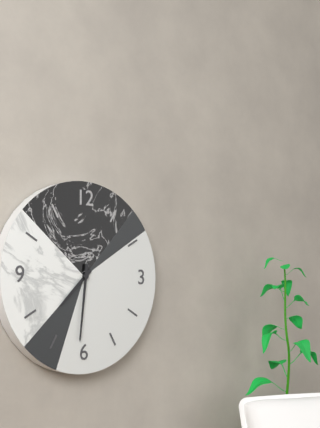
7:31
